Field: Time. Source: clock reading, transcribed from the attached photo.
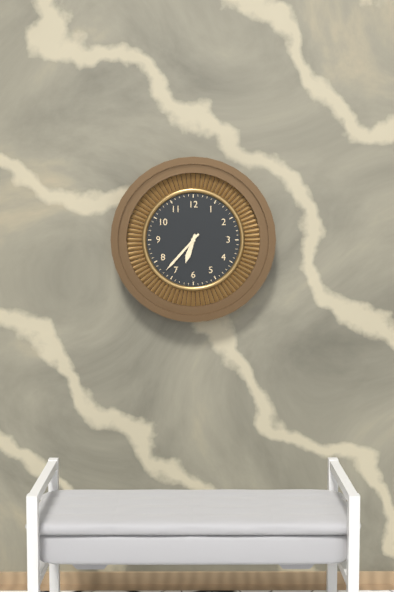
6:37
